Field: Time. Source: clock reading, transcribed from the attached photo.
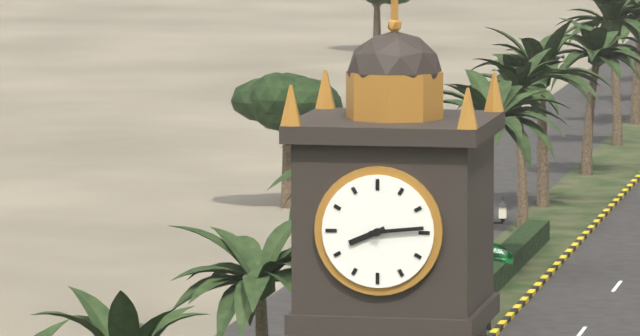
8:14
